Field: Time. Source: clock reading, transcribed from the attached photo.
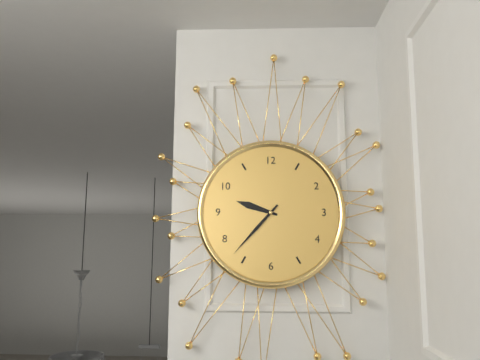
9:37
